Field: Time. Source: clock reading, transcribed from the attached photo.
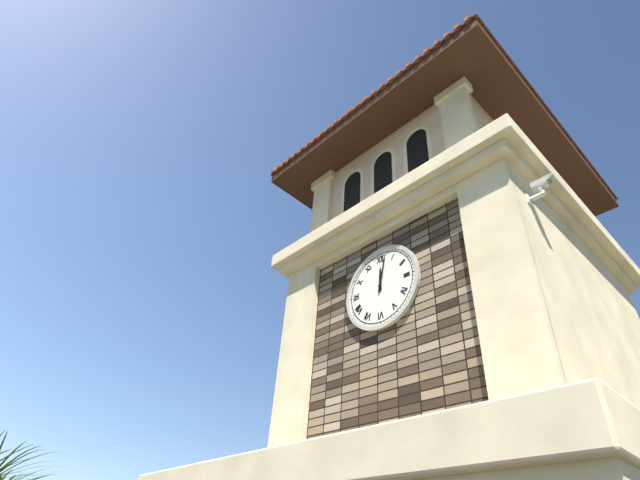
12:02
